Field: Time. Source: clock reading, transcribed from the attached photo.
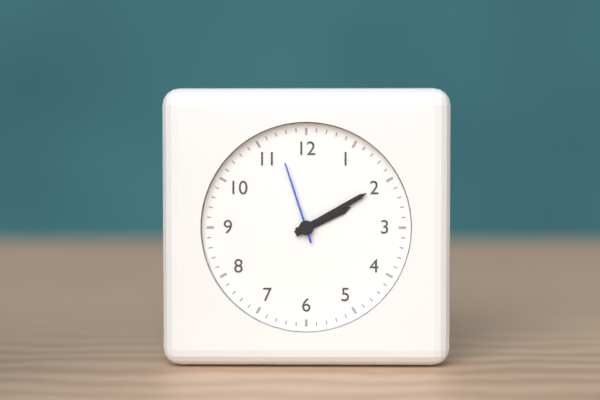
2:10:57
